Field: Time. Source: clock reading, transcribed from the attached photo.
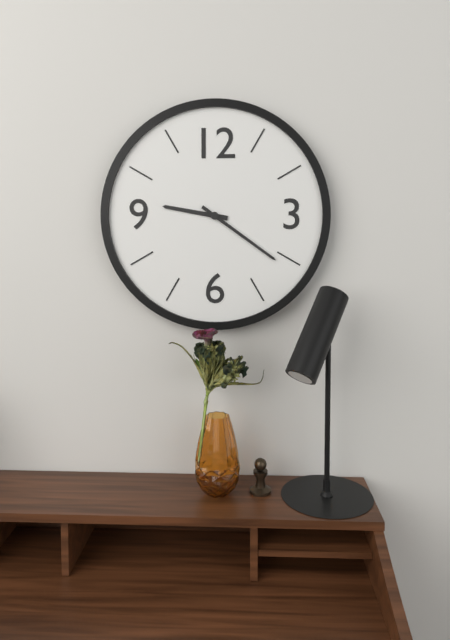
9:21
